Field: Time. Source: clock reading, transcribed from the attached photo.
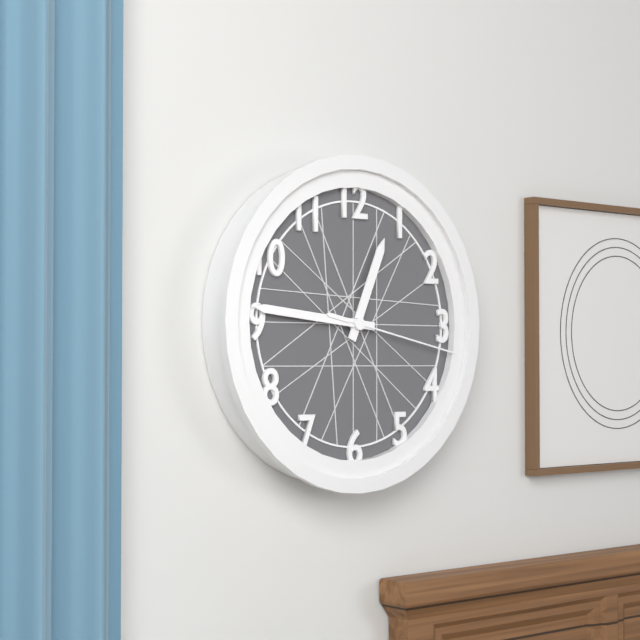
12:46:17
